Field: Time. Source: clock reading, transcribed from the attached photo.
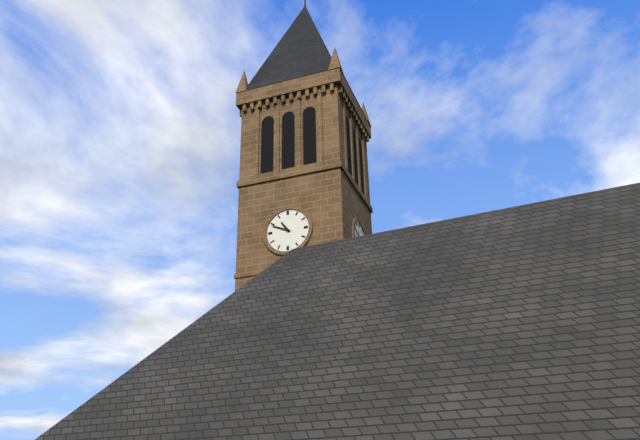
10:49
